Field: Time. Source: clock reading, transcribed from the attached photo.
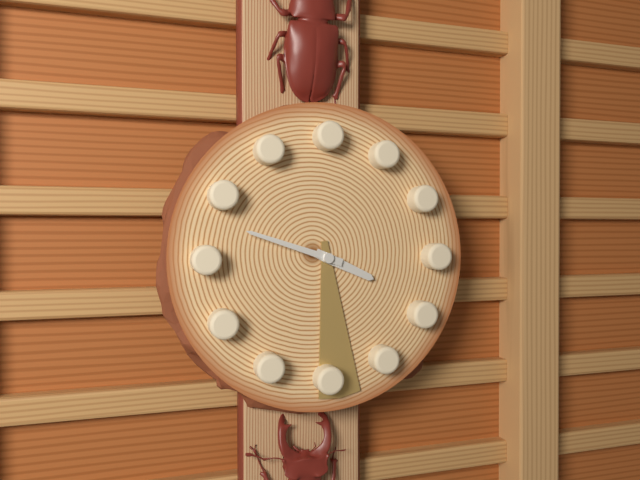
3:48:29
